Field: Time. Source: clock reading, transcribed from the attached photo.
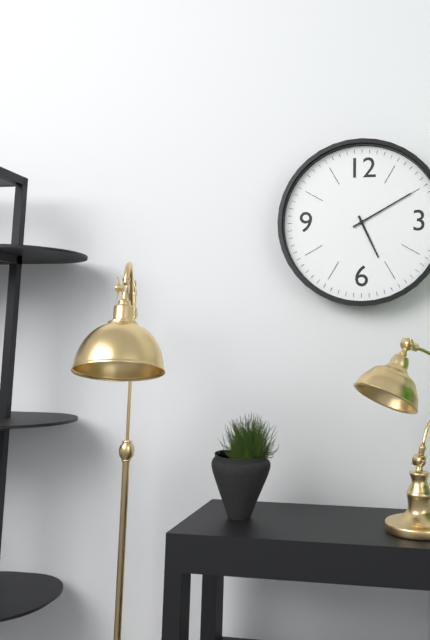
5:10
